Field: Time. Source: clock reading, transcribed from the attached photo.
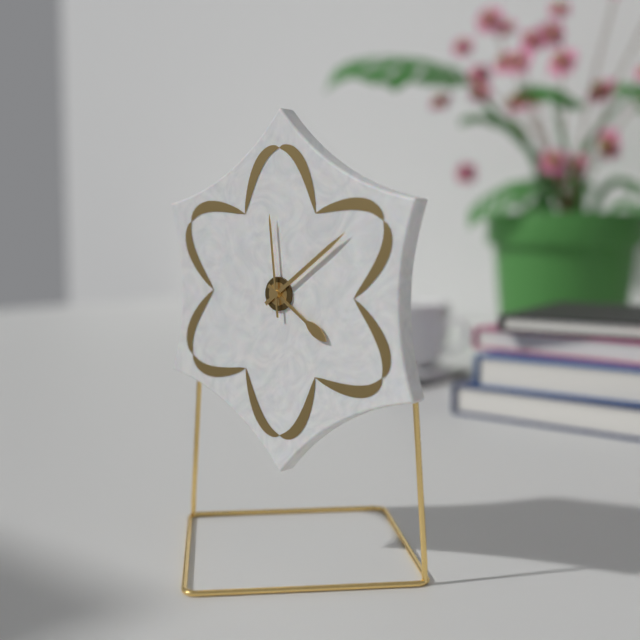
4:09:59
